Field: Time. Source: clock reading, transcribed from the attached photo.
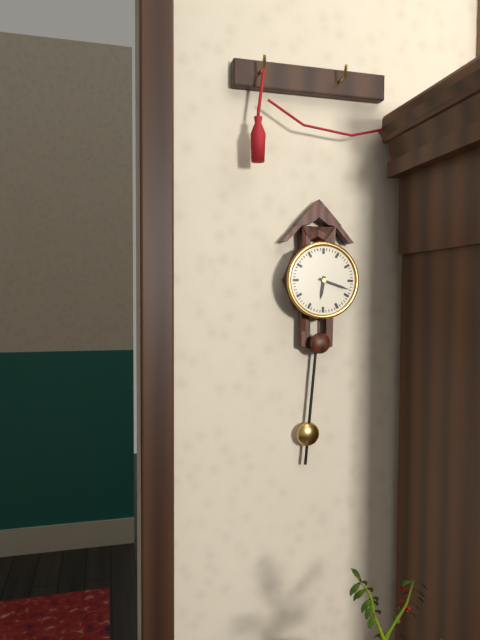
6:18
